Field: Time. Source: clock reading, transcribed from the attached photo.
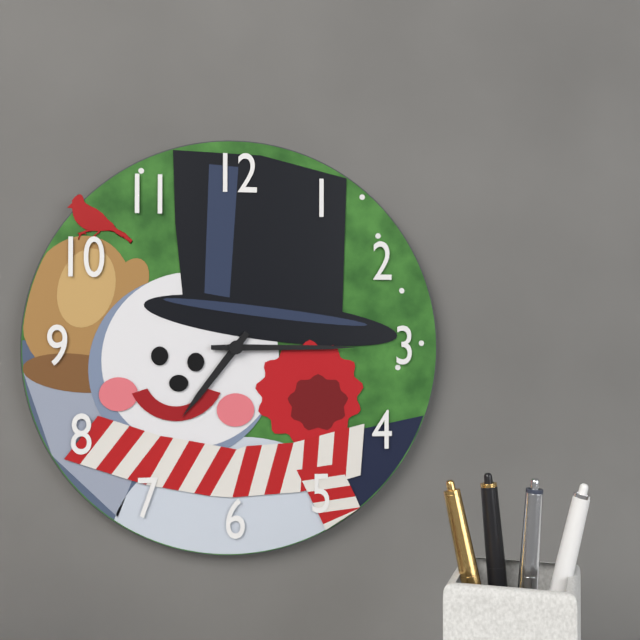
7:15
